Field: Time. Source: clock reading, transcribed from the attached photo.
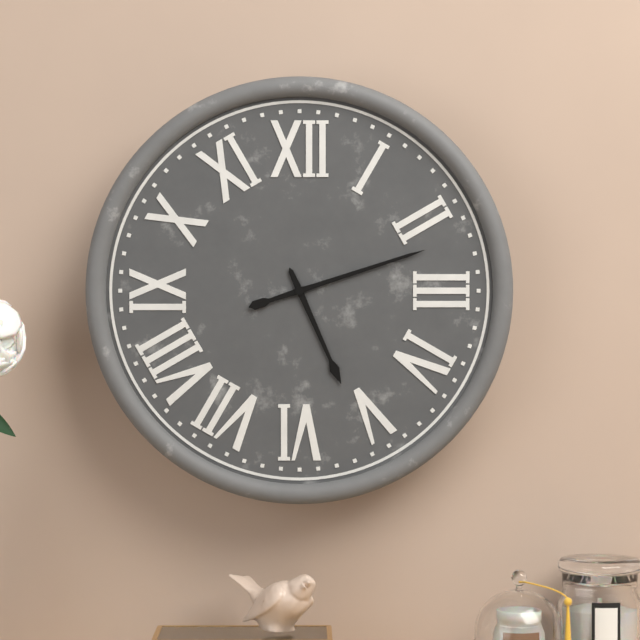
5:12
